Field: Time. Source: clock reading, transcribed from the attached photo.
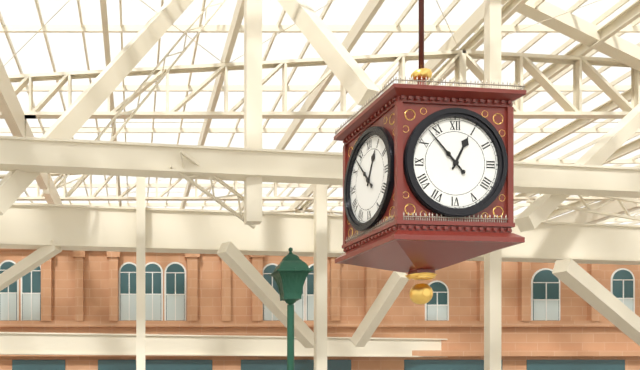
12:53
